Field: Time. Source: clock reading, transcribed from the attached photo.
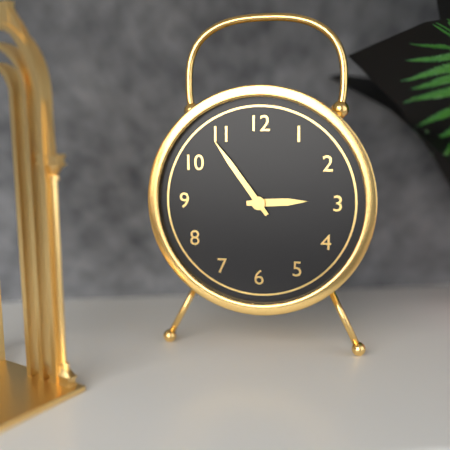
2:54
